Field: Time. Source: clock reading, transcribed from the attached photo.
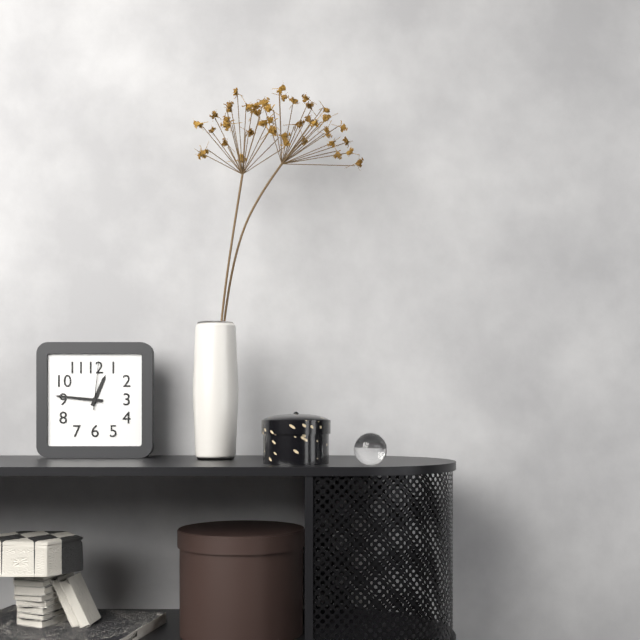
12:46
